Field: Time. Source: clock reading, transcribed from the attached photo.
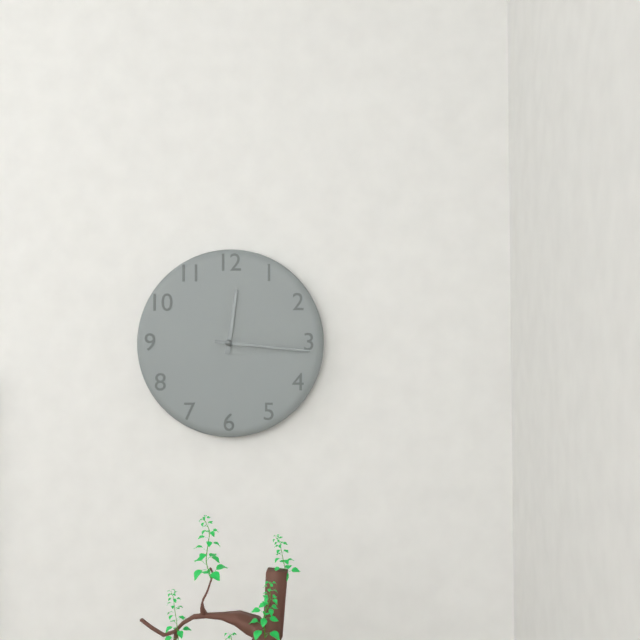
12:16
